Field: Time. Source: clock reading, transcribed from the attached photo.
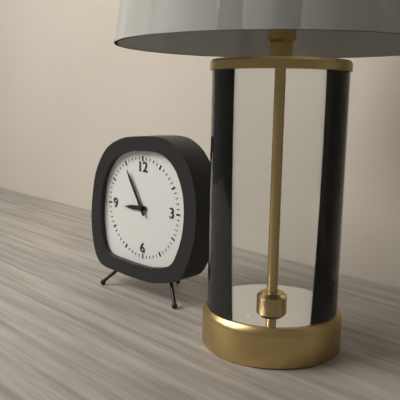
8:55
